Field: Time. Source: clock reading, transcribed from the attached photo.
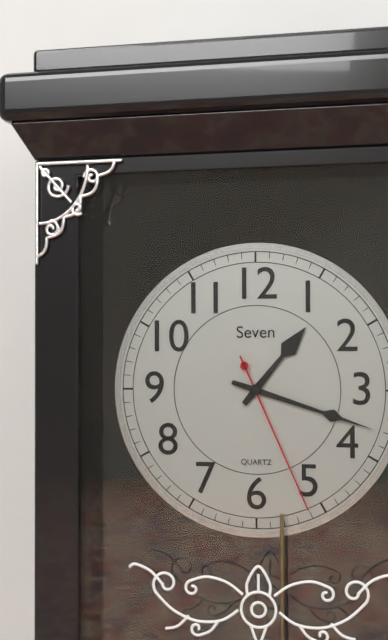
1:18:26
